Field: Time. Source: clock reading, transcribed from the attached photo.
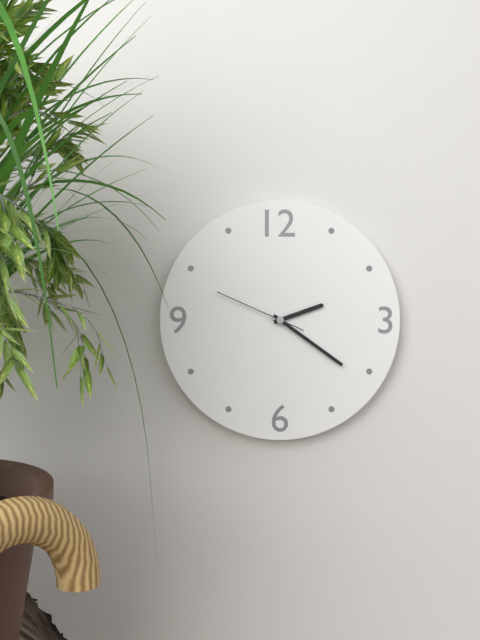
2:21:49
